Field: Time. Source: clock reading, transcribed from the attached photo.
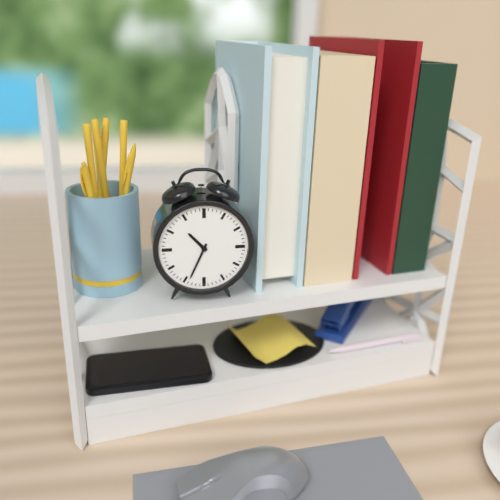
10:34
